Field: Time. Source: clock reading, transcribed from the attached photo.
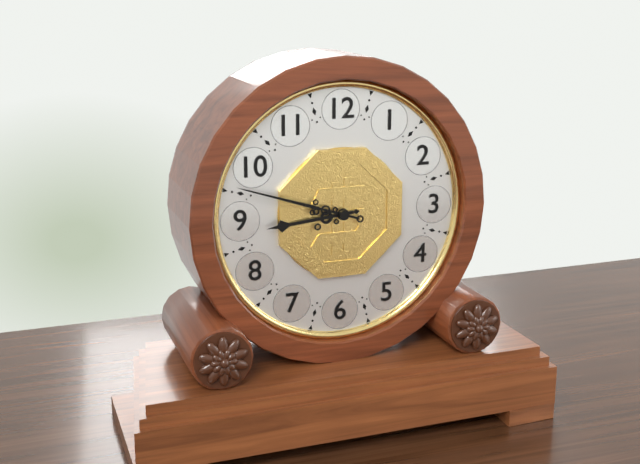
8:48
